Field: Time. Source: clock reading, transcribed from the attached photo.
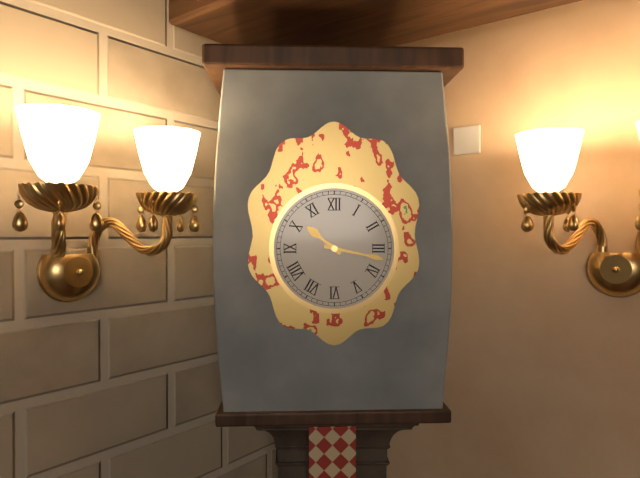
10:17
